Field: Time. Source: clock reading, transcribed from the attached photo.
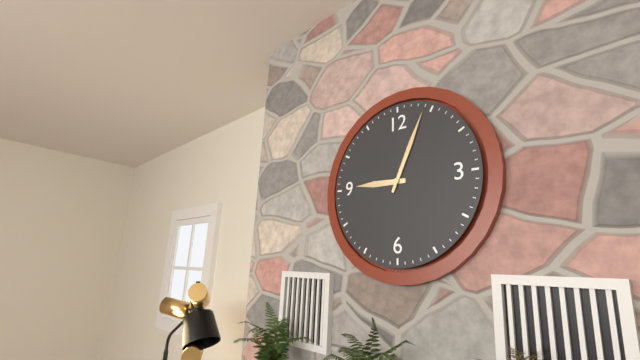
9:04
